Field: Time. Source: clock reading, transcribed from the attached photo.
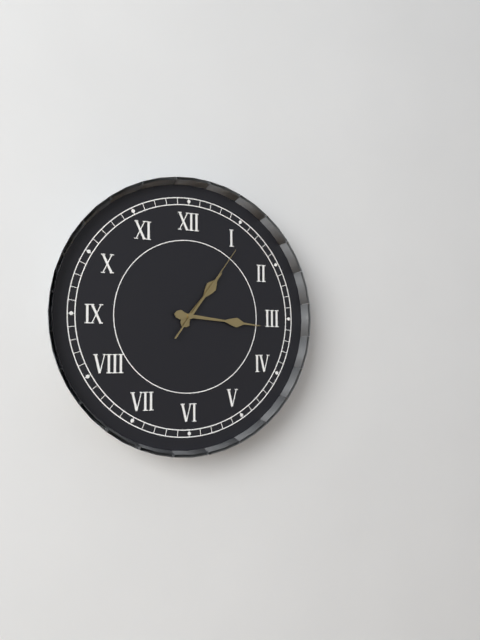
1:16:06
